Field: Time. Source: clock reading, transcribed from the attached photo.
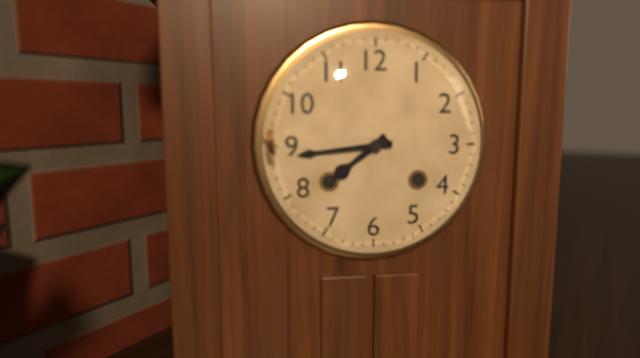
7:44
